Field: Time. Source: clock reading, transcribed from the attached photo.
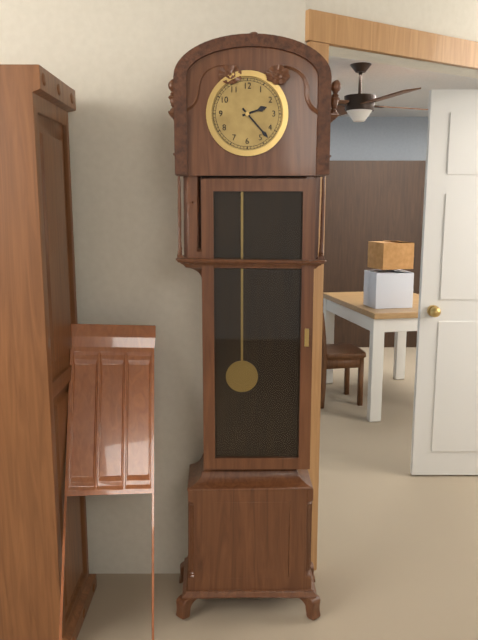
2:23
